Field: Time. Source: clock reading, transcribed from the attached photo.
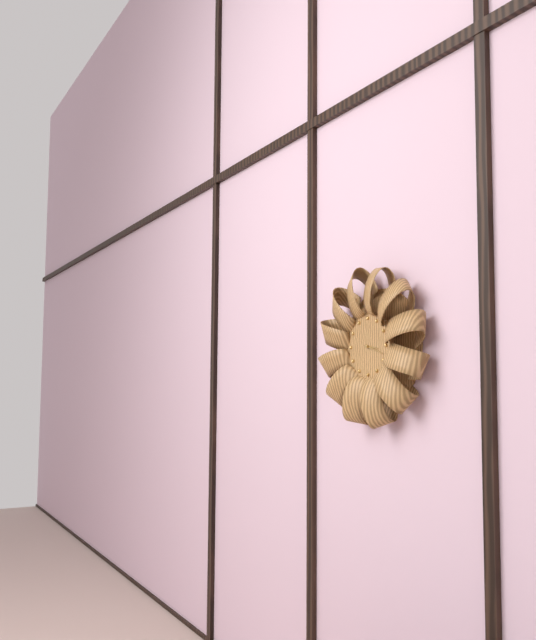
3:18
